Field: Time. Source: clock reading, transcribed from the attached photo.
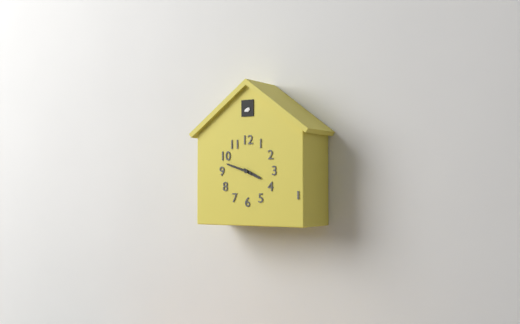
3:48
